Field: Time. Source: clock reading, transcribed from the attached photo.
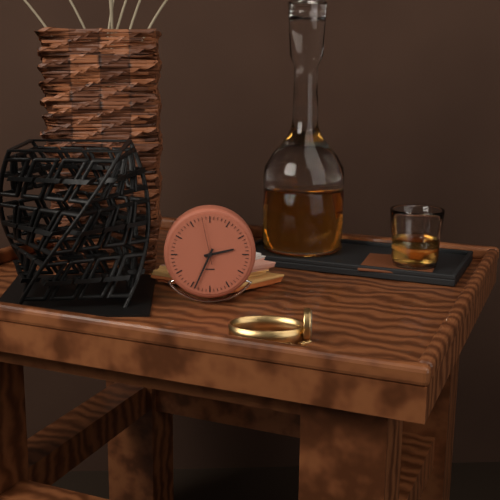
2:34
